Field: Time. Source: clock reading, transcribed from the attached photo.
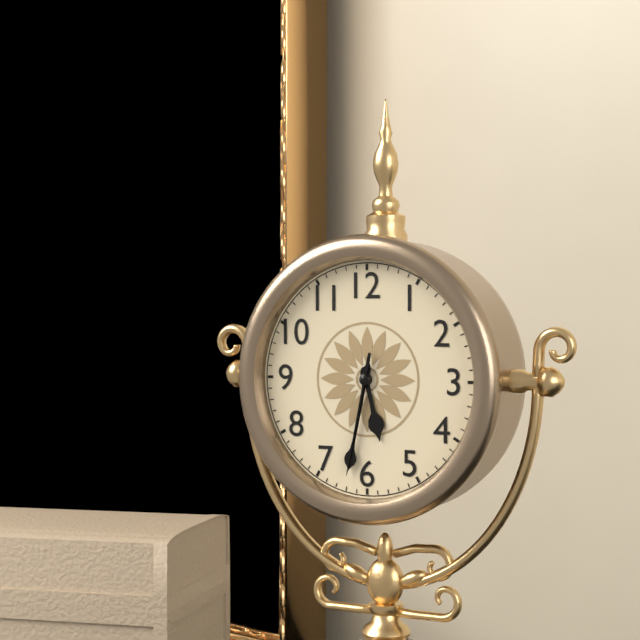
5:32:32
